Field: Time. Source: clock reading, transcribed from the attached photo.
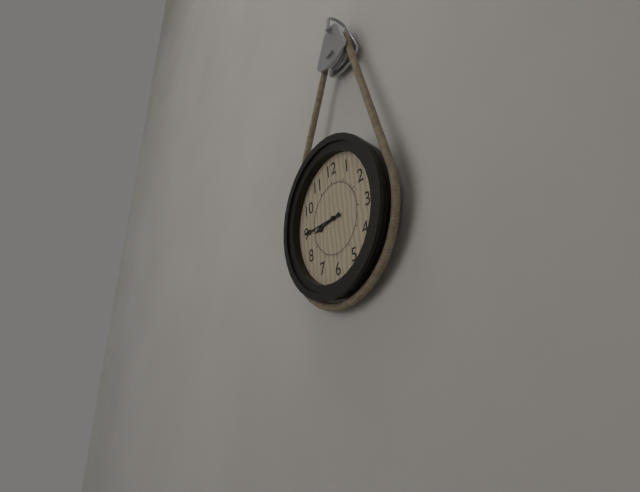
8:45
